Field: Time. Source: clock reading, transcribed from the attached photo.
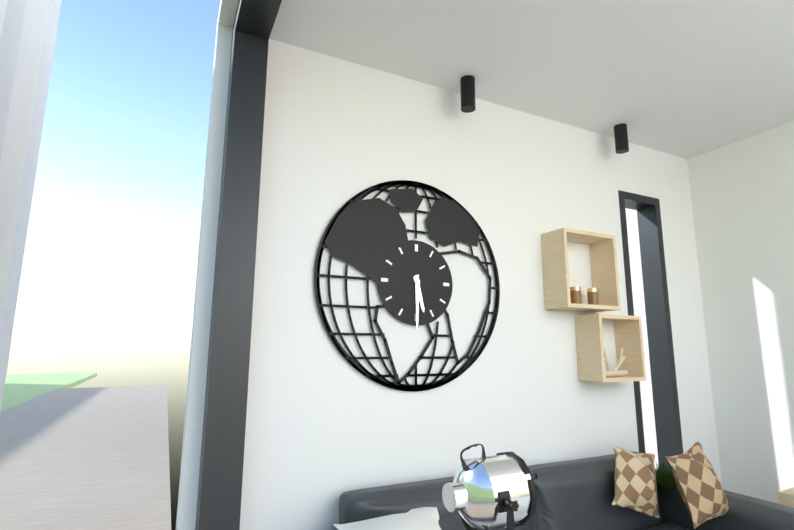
5:30
